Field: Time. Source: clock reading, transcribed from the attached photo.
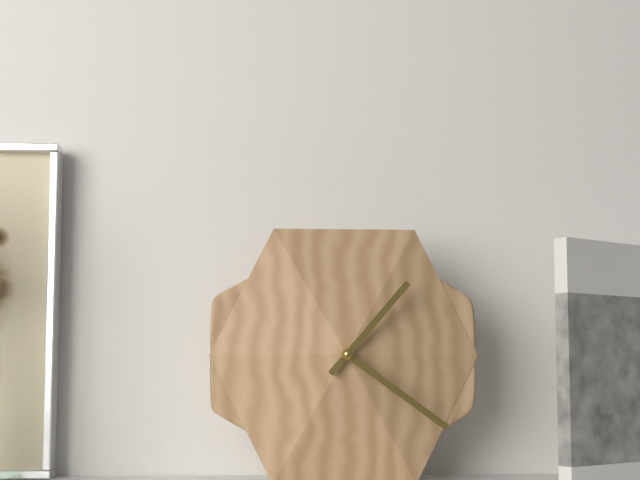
1:21
